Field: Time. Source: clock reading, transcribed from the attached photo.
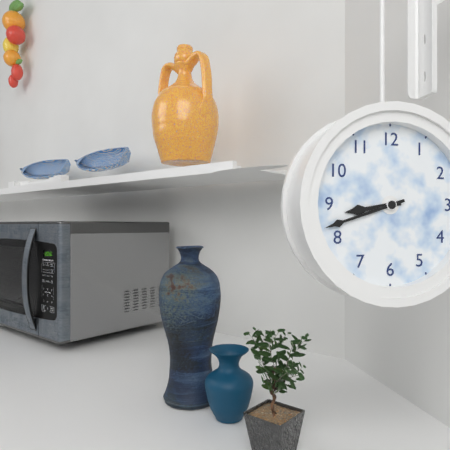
8:42
